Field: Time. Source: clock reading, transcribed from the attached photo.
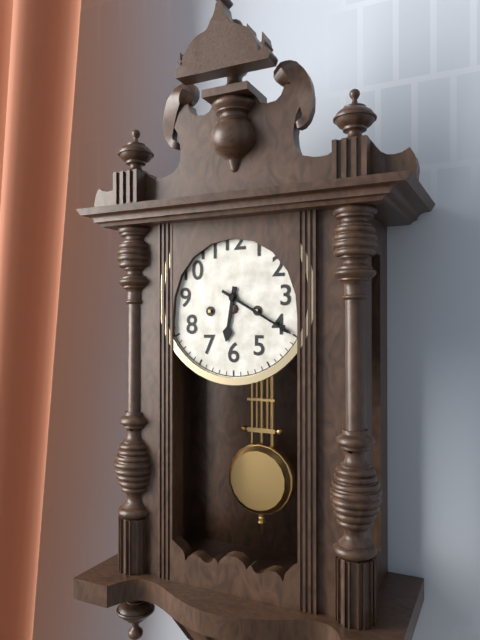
6:20
